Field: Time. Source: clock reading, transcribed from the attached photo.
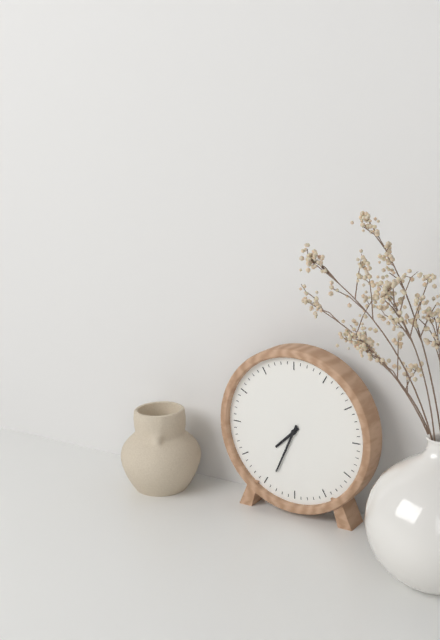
7:34
